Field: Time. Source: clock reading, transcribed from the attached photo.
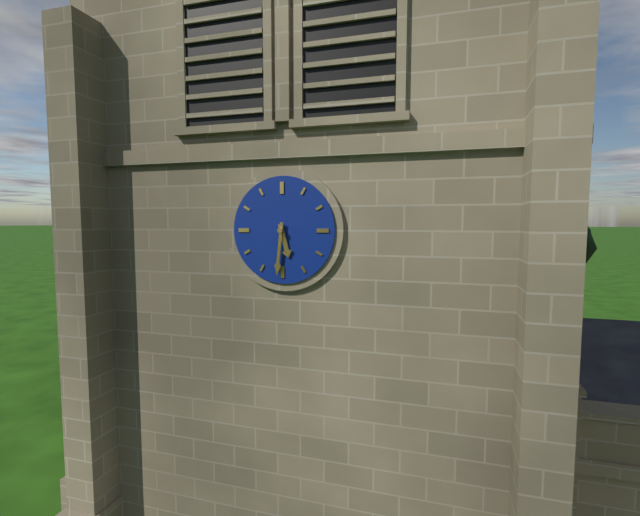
5:31
